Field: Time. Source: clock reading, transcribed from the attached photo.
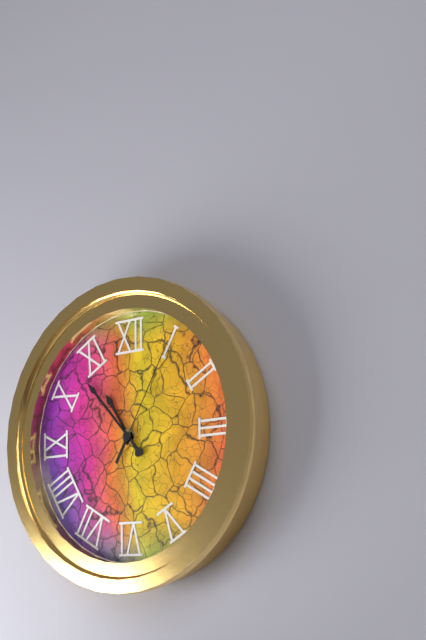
10:53:05
